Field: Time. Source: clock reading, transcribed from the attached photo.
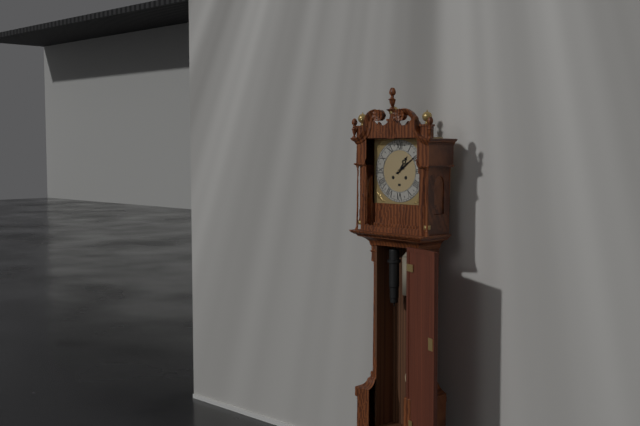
1:09
